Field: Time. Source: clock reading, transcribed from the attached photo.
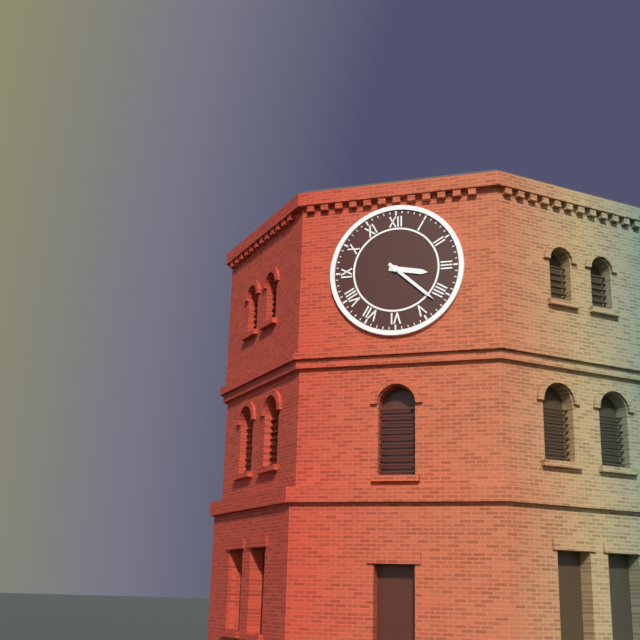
3:22
